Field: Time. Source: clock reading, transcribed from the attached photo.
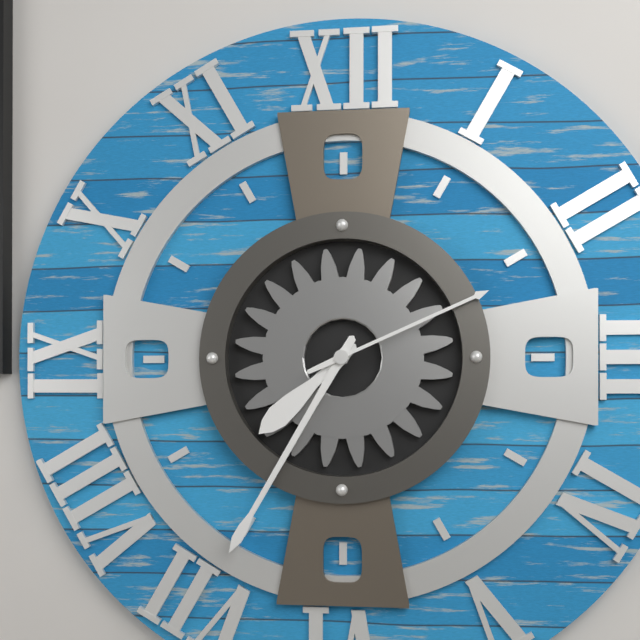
7:35:11
